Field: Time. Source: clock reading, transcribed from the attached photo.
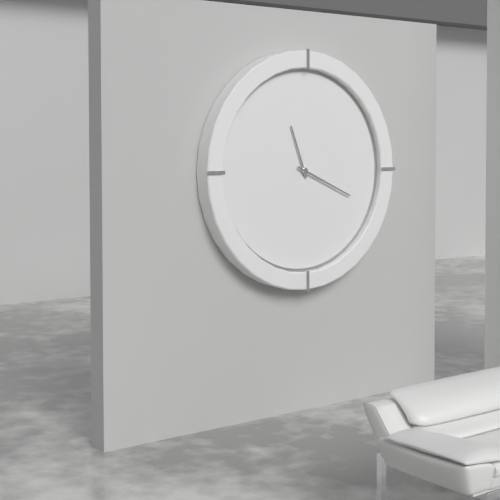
11:19
